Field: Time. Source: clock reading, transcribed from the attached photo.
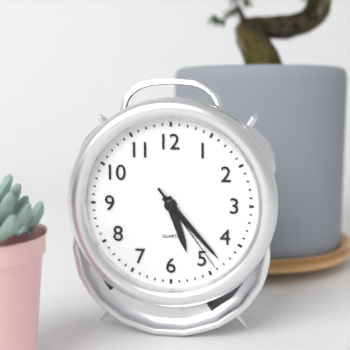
5:23:24
